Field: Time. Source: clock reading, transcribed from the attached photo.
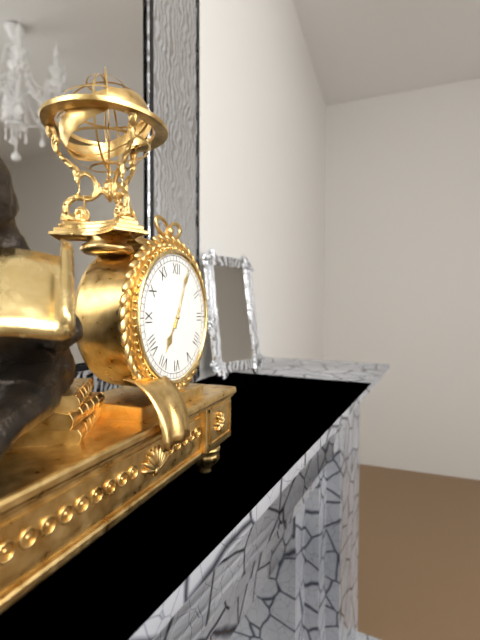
7:04
